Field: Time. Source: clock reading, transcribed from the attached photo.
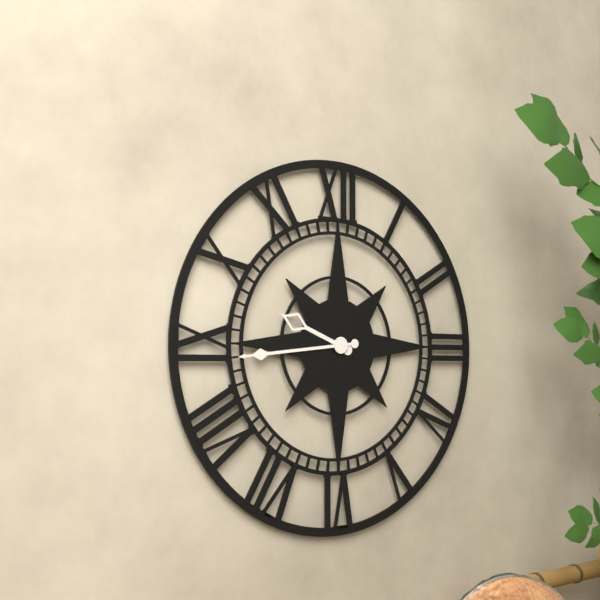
9:44
